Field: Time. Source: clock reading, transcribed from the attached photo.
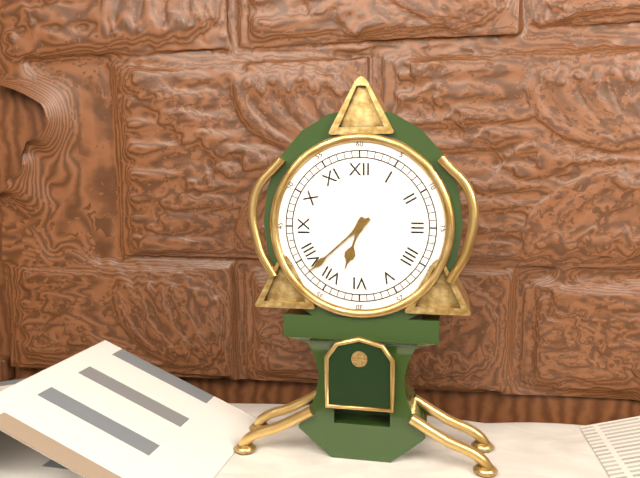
6:38
